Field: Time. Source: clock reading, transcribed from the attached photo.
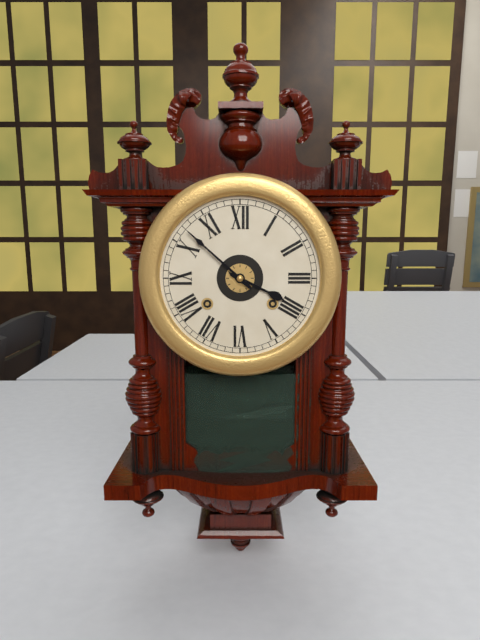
3:52
